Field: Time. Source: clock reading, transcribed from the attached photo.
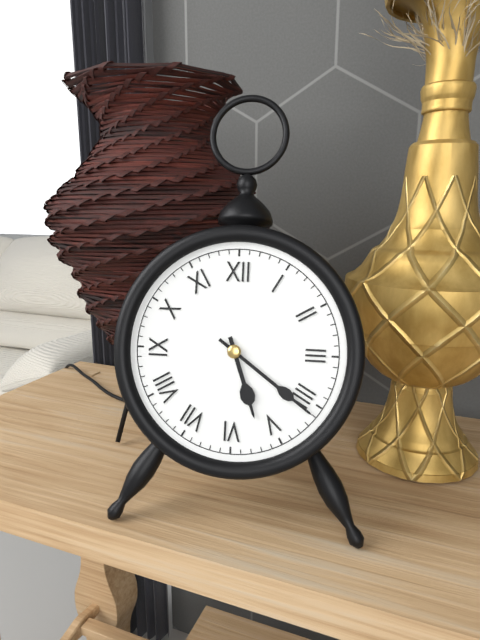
5:21
